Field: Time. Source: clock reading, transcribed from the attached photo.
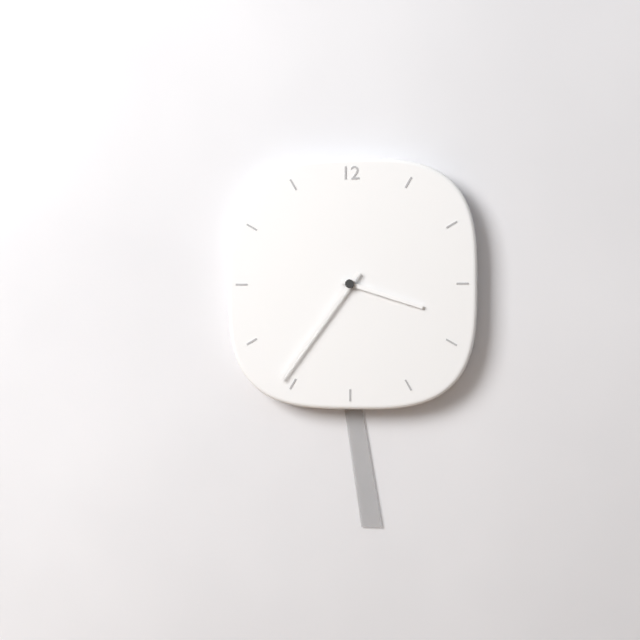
3:36
